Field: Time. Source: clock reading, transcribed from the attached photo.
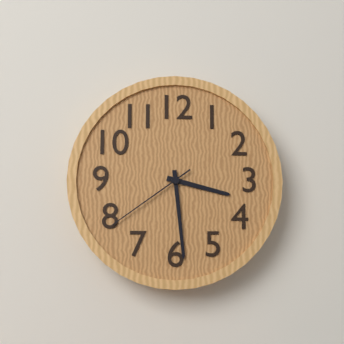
3:29:39
